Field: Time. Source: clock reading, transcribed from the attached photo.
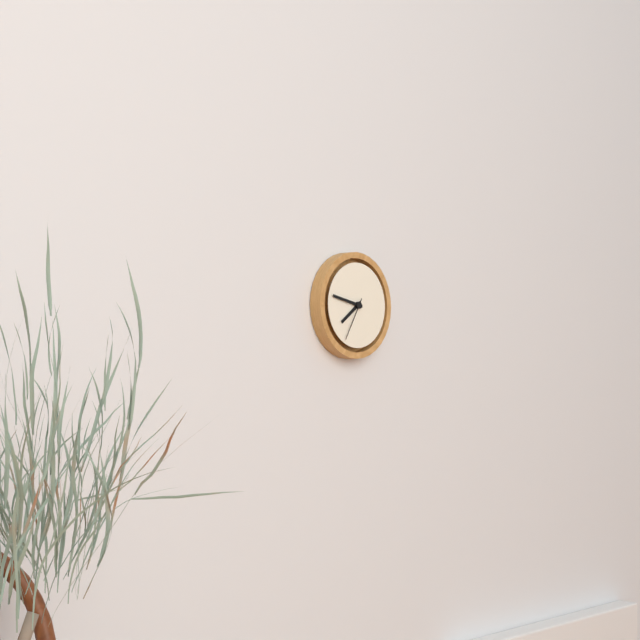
7:47
